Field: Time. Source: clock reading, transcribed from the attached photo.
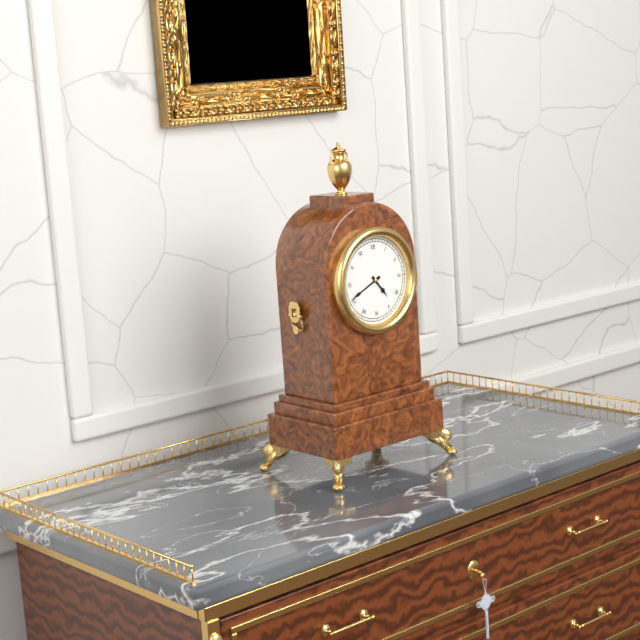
4:41
